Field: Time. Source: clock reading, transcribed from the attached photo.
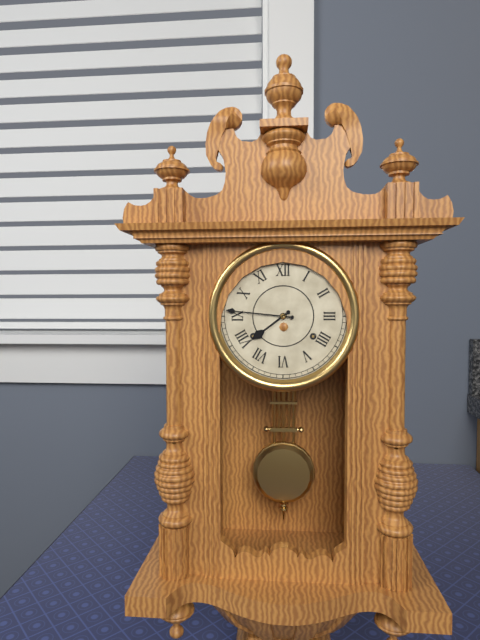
7:46
